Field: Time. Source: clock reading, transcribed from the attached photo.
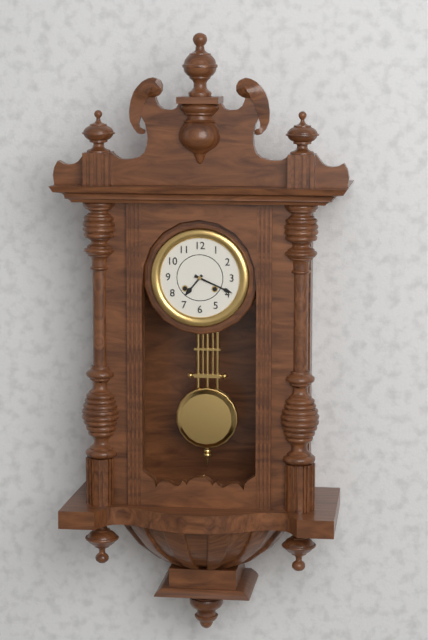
7:19
